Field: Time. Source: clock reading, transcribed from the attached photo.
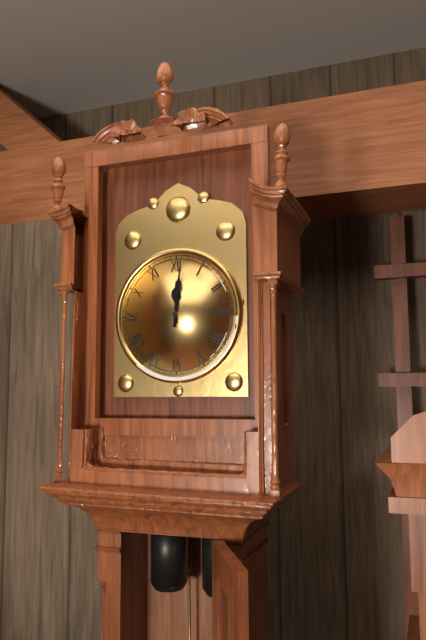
12:01
